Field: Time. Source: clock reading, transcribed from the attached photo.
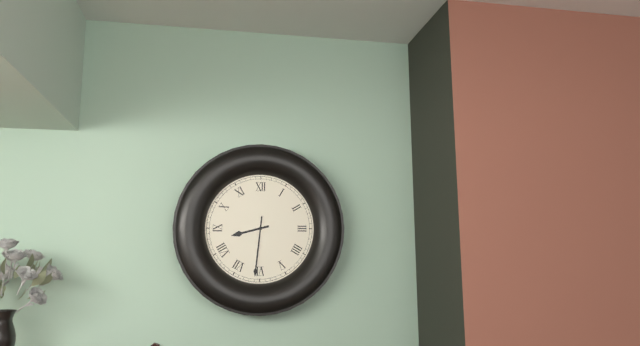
8:31
